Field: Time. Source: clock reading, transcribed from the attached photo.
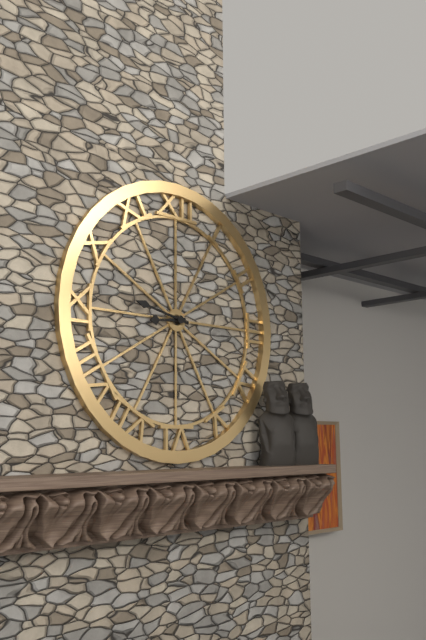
8:47
